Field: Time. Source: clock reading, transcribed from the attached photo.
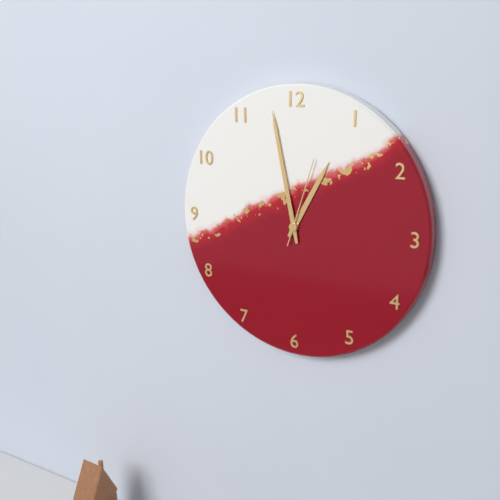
12:58:03
